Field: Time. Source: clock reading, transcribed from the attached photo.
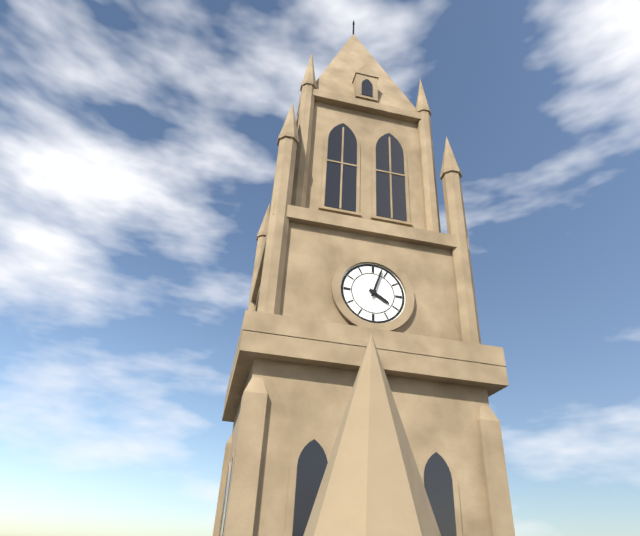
4:03
